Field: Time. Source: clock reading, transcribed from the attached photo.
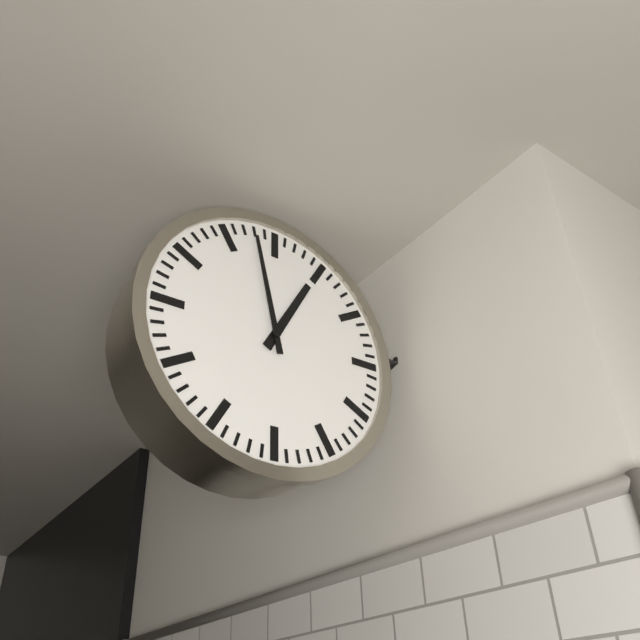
12:58
